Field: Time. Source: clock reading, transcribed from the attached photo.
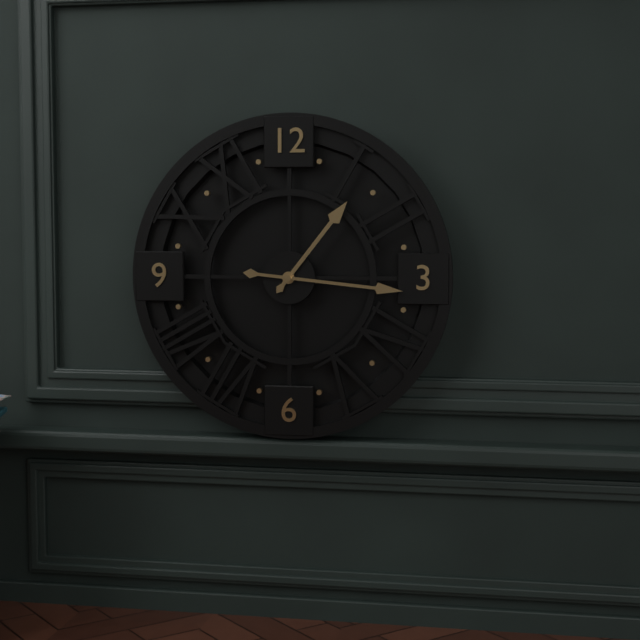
1:16
